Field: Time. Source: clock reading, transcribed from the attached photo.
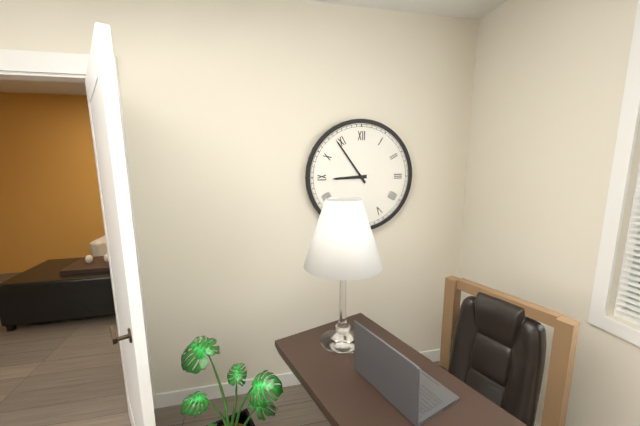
8:54
